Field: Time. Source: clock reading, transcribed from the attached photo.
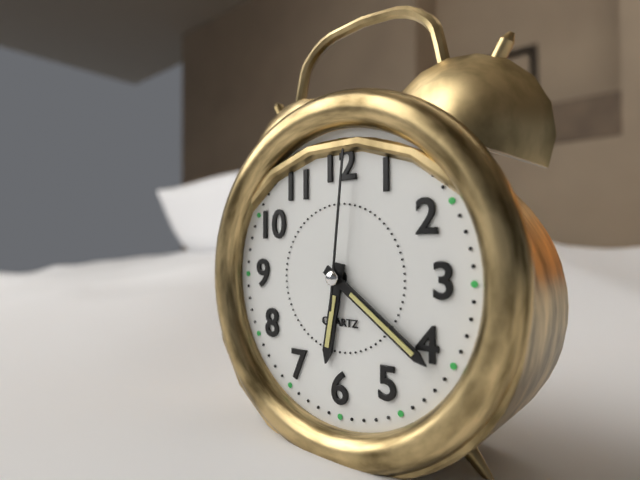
6:21:01
